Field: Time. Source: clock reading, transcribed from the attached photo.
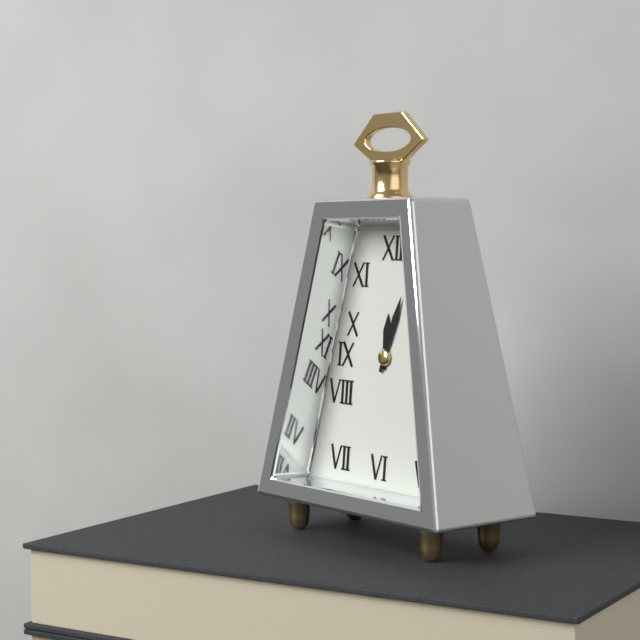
12:03
